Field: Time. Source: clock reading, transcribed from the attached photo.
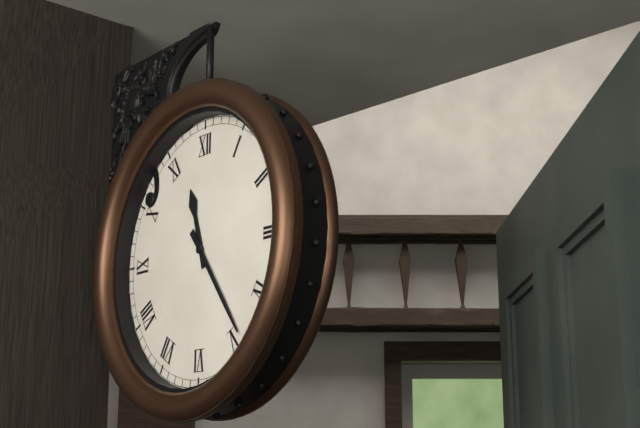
11:24
